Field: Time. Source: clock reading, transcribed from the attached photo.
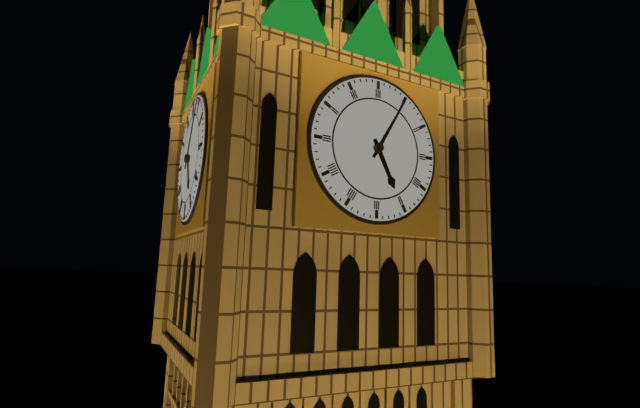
5:05
